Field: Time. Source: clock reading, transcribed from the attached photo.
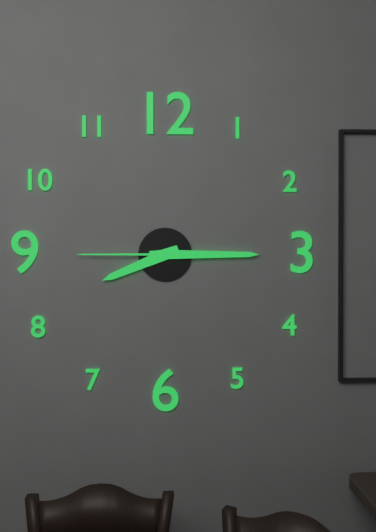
8:15:45
